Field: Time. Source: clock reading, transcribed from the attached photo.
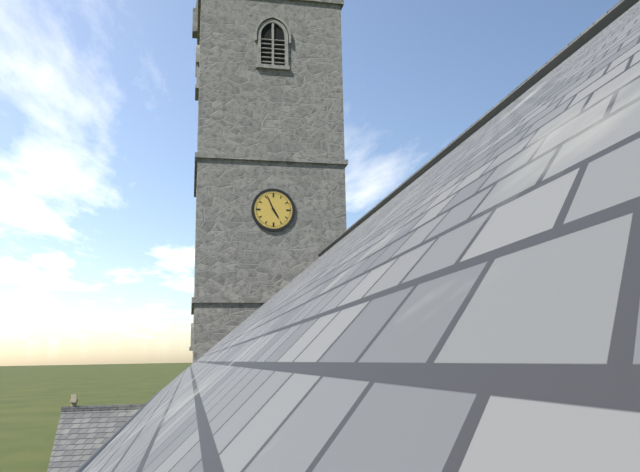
4:56
